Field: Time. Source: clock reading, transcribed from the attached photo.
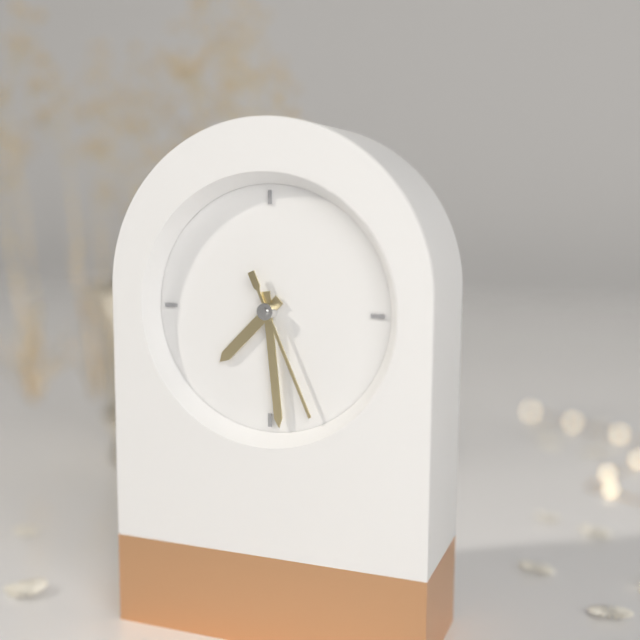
7:29:26
